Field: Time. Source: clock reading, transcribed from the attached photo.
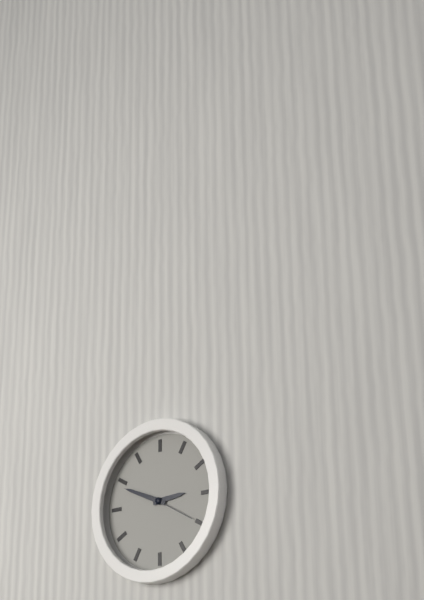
2:49
